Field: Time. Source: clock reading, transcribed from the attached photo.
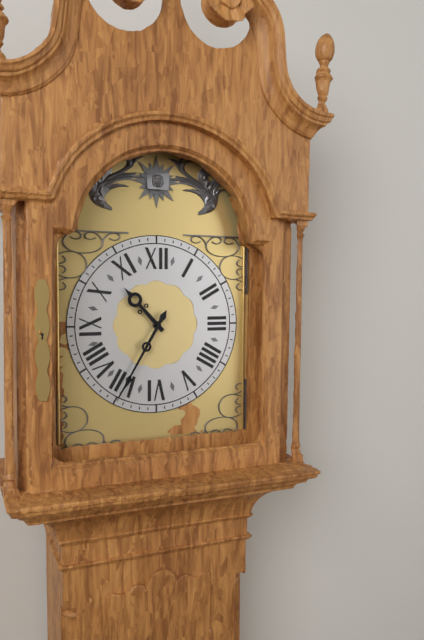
10:35
